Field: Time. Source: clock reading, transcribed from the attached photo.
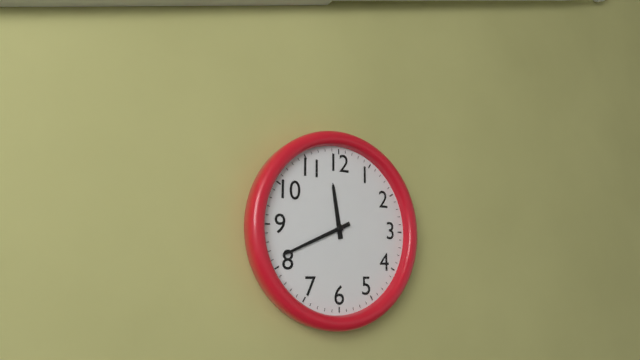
11:41
